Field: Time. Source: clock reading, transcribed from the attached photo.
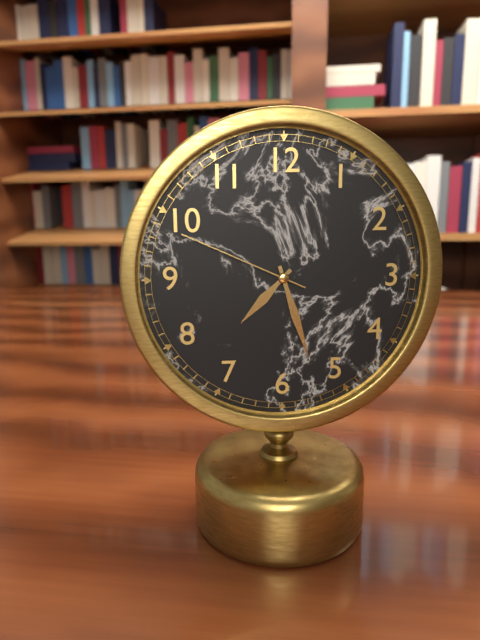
7:27:49
